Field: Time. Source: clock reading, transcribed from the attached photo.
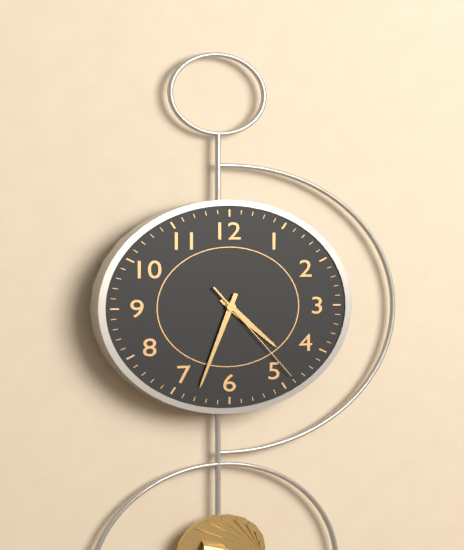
4:33:24
